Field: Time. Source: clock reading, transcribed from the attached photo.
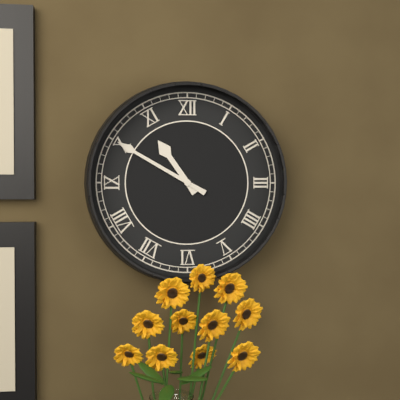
10:50
